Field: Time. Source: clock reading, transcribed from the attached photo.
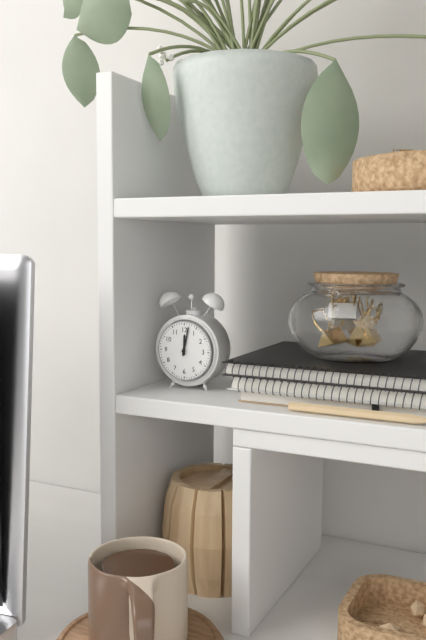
12:02
